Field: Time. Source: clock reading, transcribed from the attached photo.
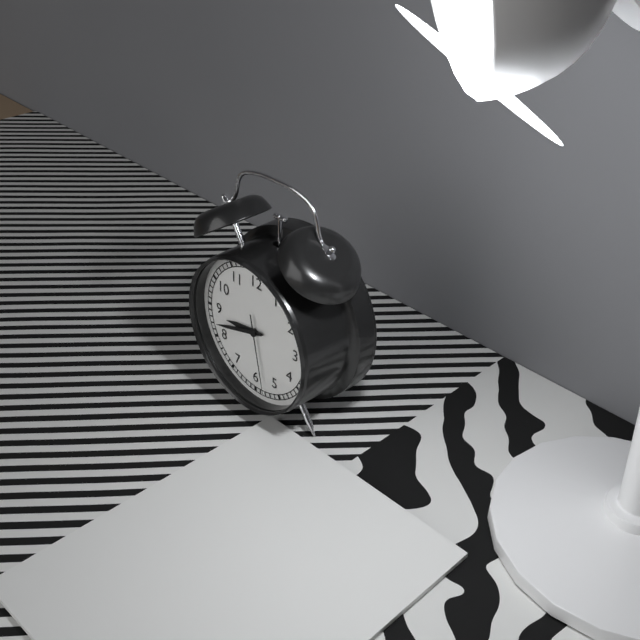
8:42:28
